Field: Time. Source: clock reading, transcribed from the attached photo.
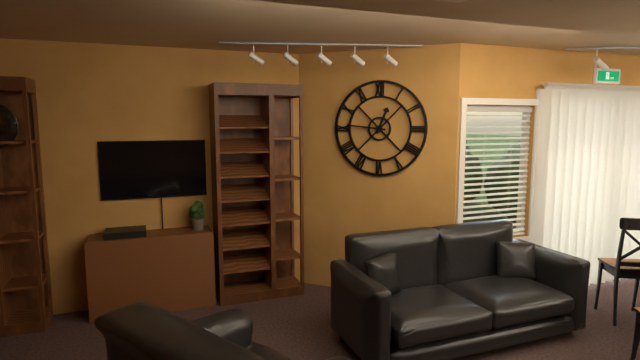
12:46
